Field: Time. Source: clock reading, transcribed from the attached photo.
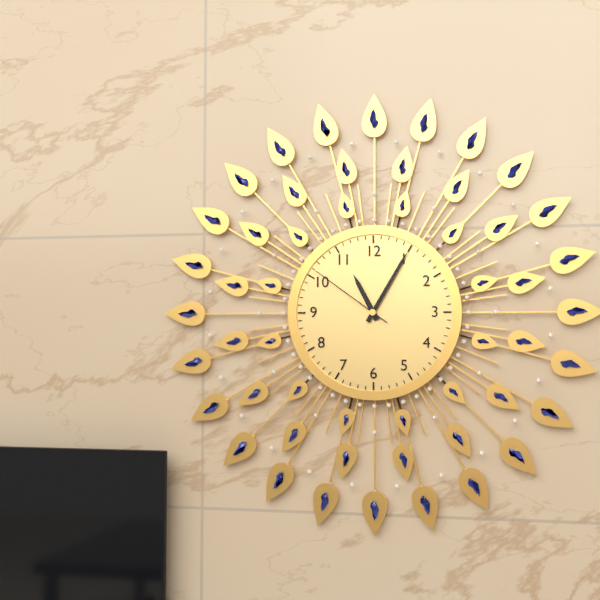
11:05:51
